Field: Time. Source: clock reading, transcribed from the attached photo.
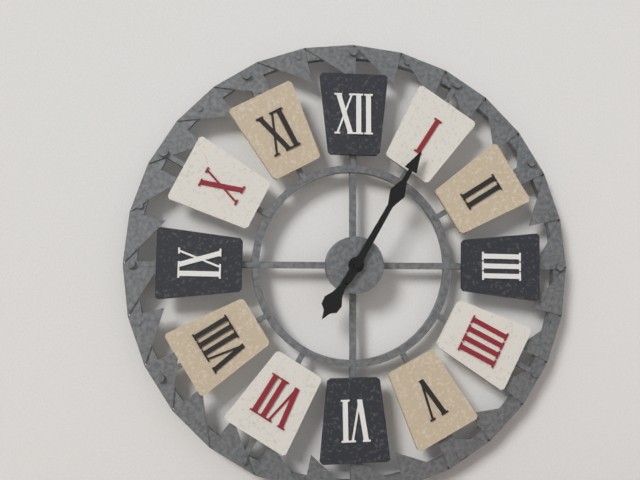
7:05
